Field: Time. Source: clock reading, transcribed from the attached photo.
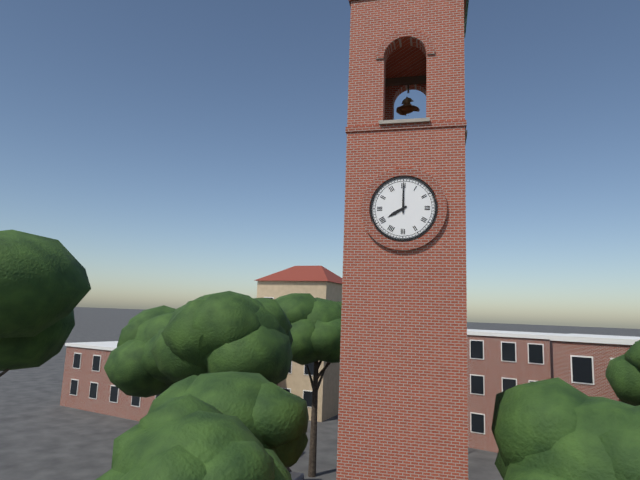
8:00
